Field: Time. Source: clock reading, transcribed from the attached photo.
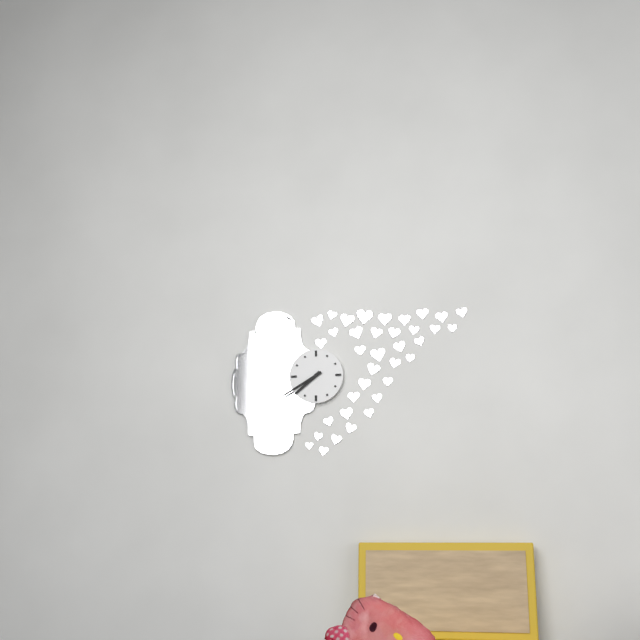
7:40
